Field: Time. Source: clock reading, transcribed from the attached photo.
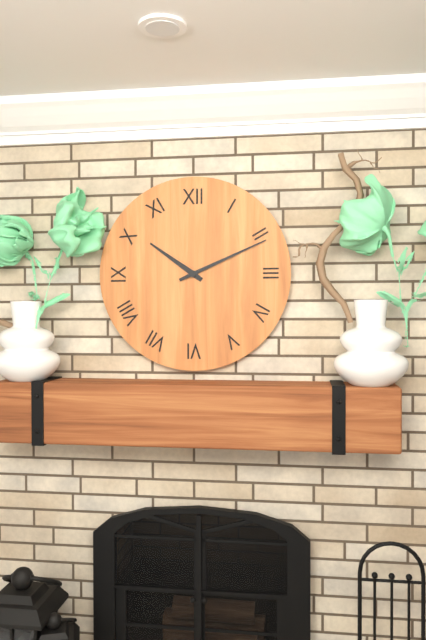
10:11
